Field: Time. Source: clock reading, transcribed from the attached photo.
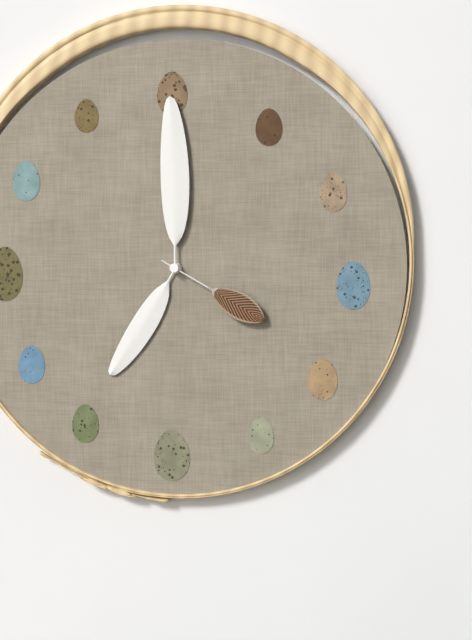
7:00:20
